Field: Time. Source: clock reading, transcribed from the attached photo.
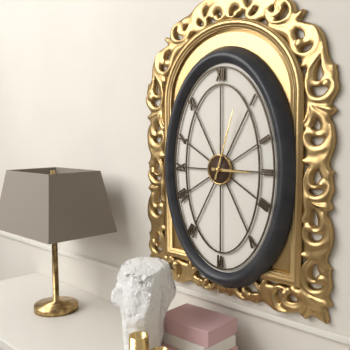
3:03
